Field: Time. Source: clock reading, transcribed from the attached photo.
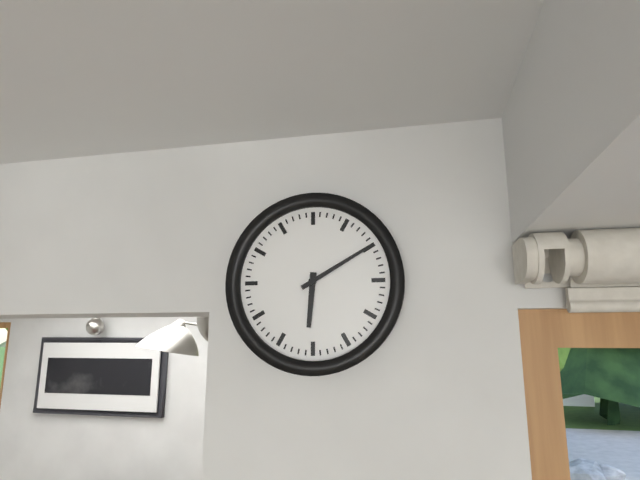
6:10
